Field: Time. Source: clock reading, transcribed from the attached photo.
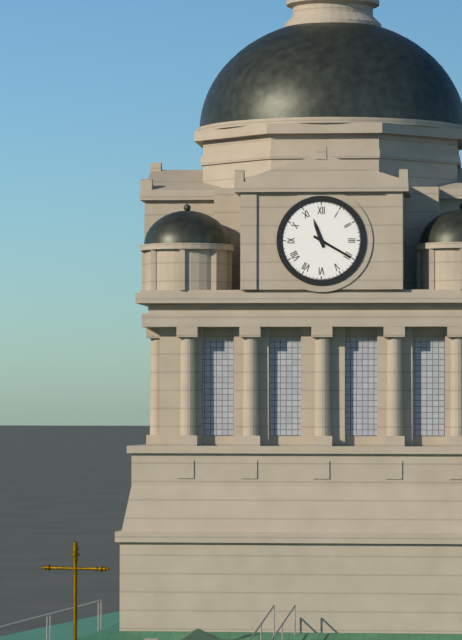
11:20
